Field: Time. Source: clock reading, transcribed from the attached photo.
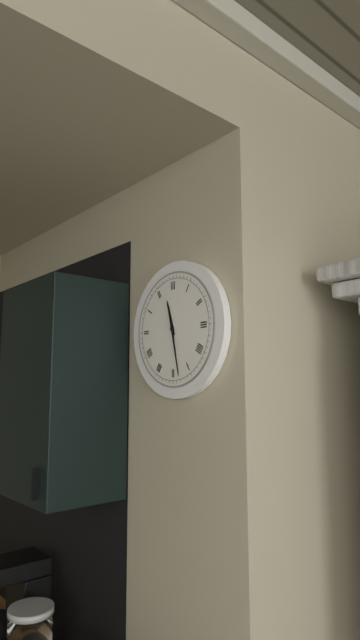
11:28
